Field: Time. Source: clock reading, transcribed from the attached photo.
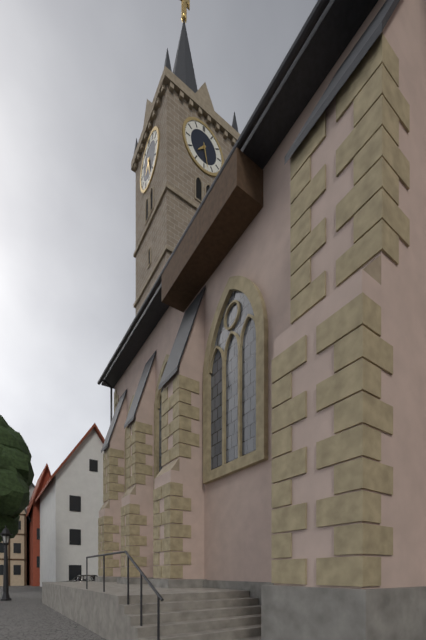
7:28
